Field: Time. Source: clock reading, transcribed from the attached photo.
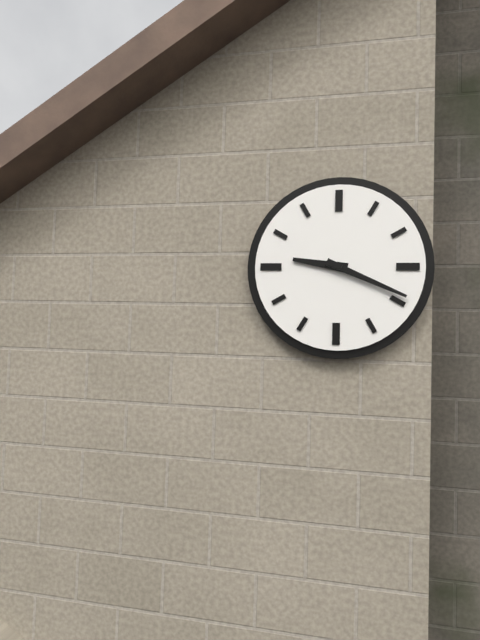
9:19
